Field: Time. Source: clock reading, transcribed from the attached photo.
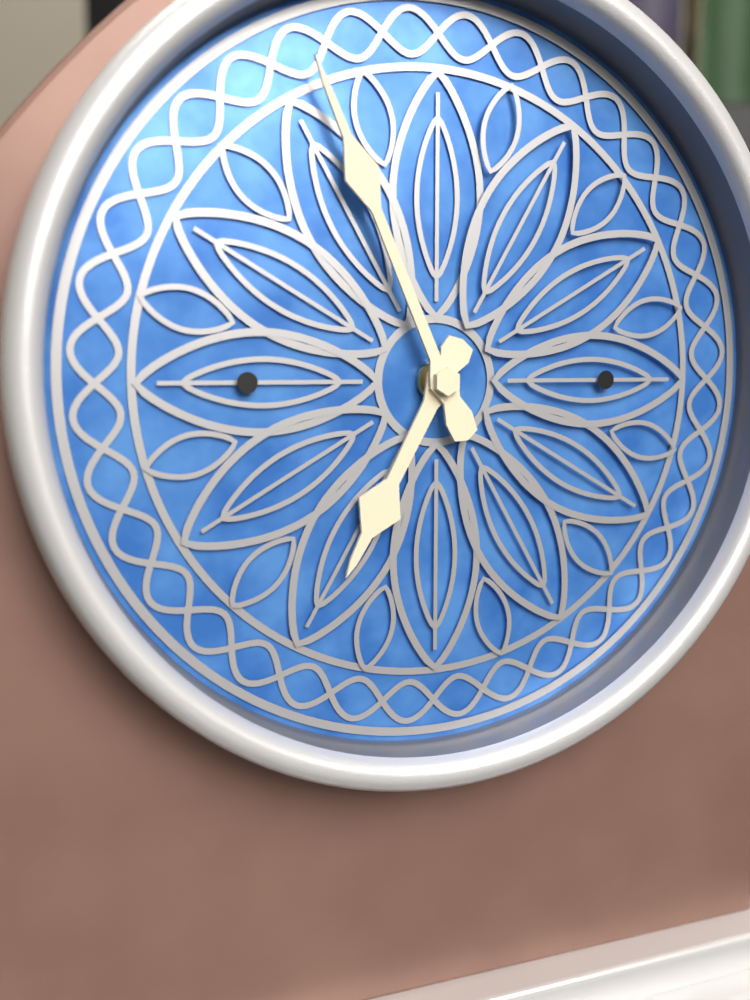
6:56
